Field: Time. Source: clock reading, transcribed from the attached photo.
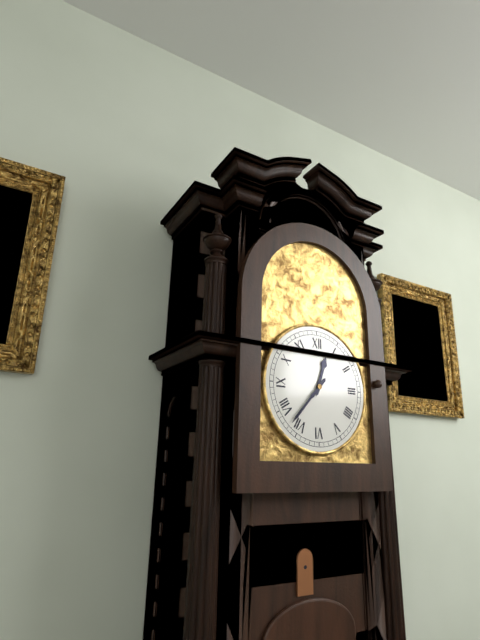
12:37
